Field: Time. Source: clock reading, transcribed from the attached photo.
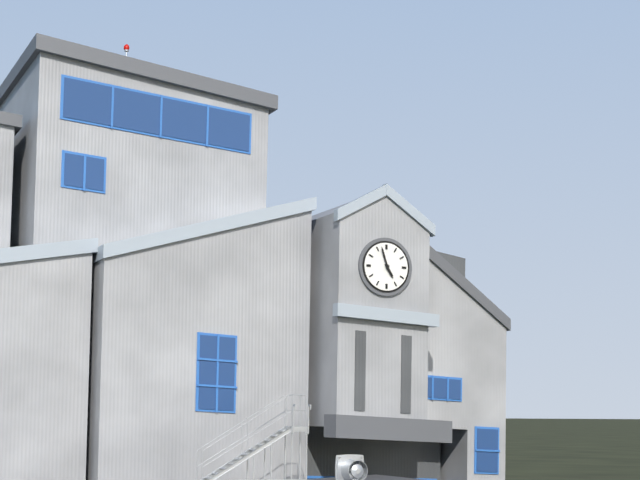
4:57
